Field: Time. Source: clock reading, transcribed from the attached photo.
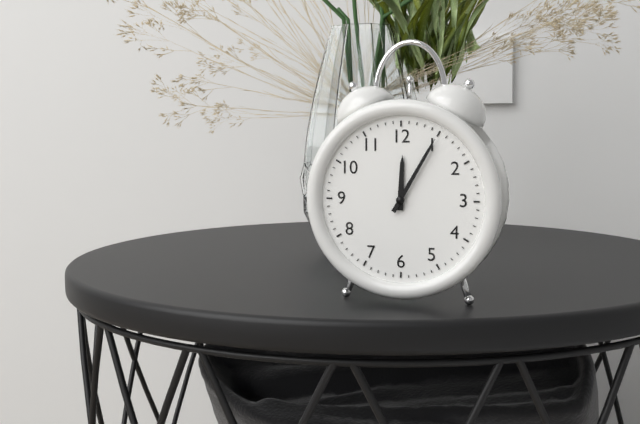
12:05
